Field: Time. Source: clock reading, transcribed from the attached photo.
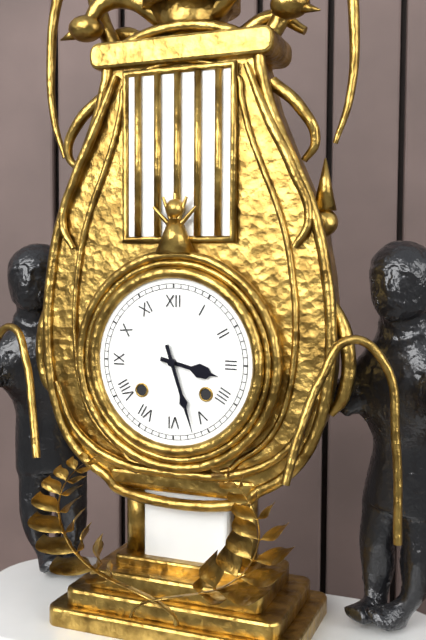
3:27
